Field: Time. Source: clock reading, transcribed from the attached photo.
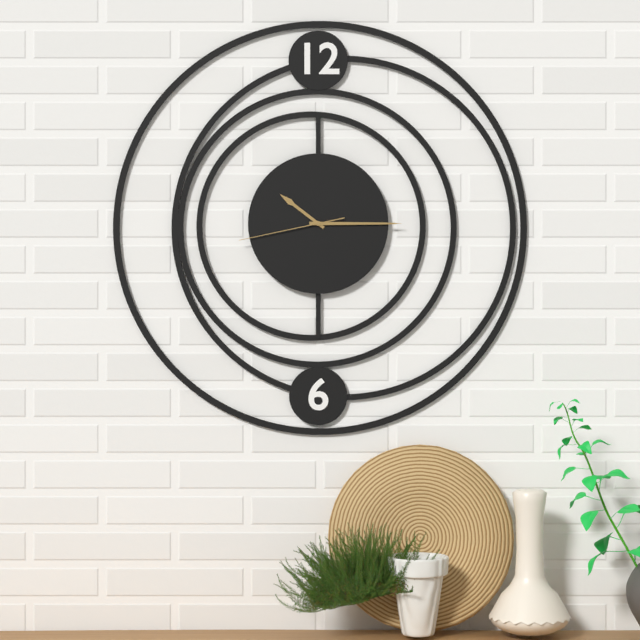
10:15:43
